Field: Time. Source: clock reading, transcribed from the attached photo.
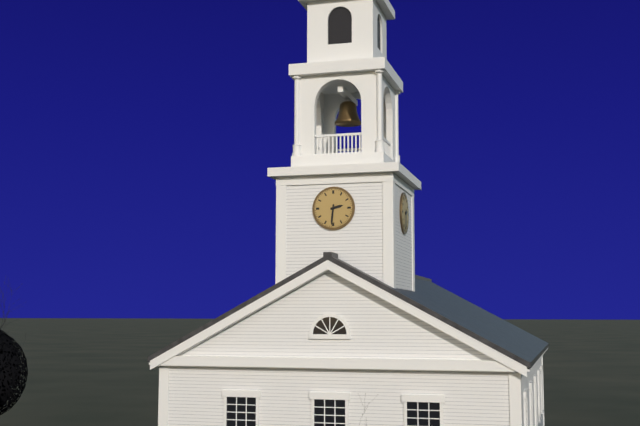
2:31
